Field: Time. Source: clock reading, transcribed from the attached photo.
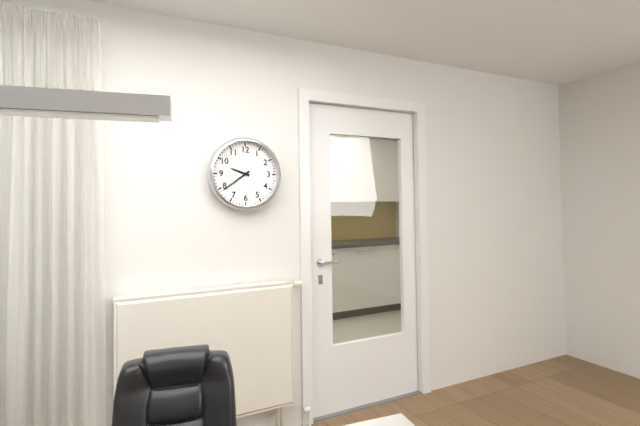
9:39
